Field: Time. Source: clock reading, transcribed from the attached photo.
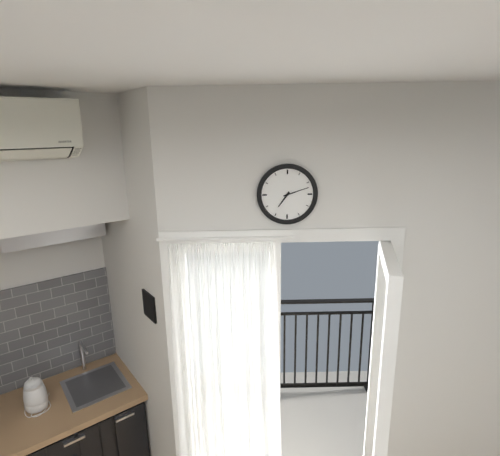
7:12
